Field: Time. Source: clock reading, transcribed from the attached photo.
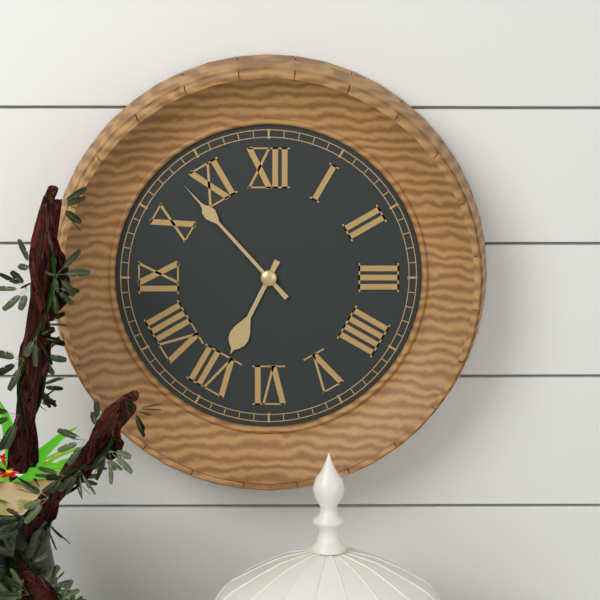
6:53
